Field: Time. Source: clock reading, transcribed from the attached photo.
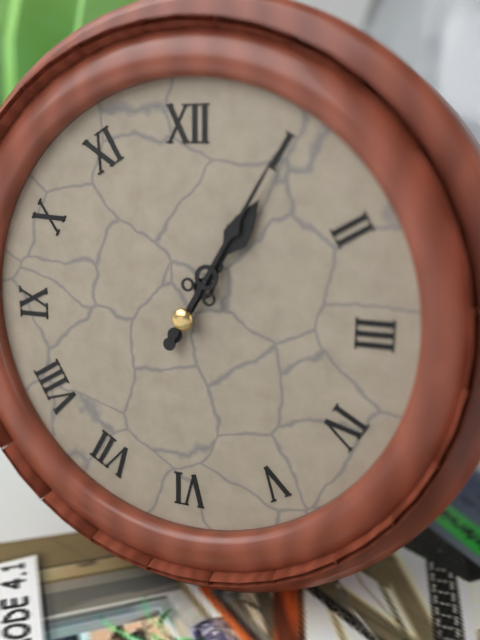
1:05
